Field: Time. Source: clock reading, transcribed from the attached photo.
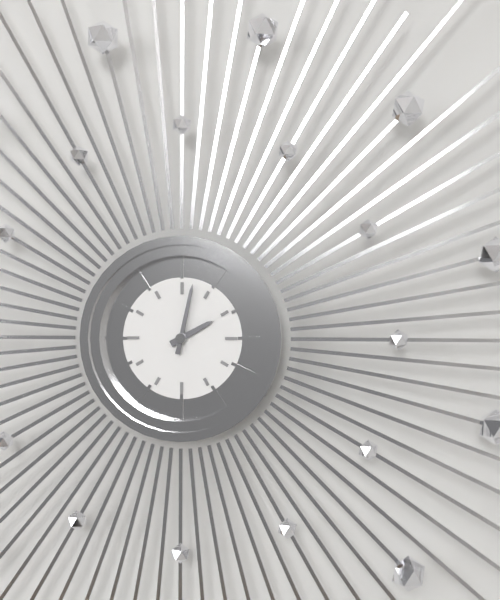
2:02
